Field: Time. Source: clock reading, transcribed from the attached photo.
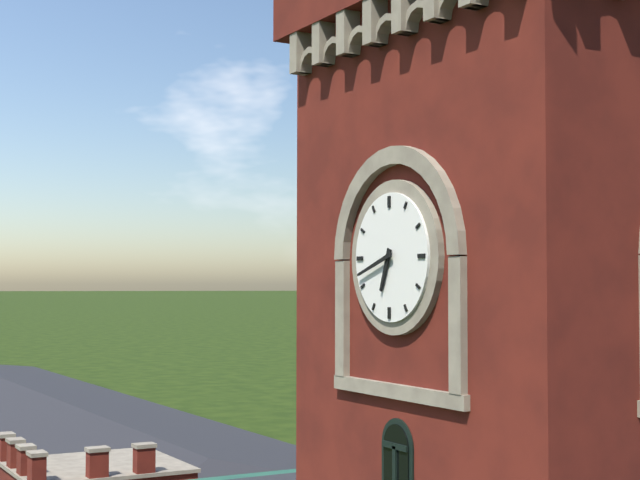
6:42
